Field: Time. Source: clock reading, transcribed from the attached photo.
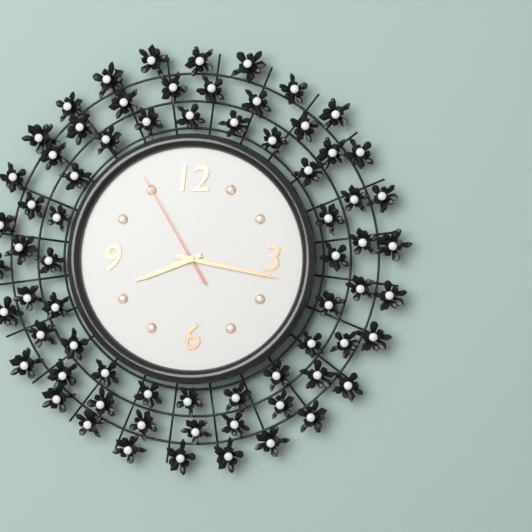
8:17:55
